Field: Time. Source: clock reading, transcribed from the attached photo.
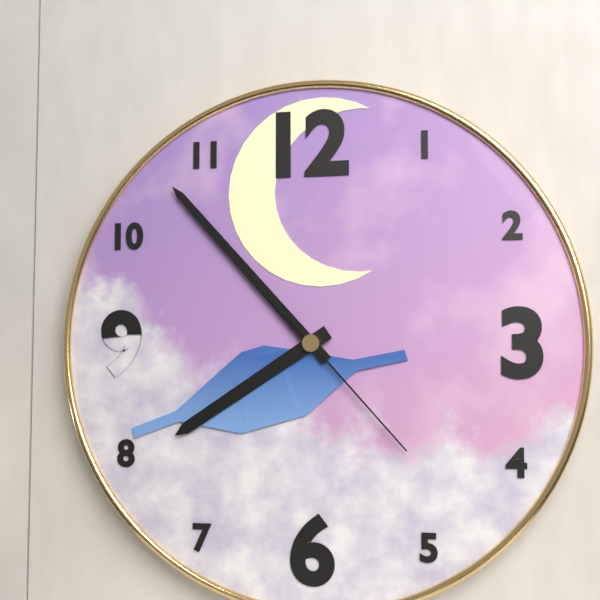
7:53:23
